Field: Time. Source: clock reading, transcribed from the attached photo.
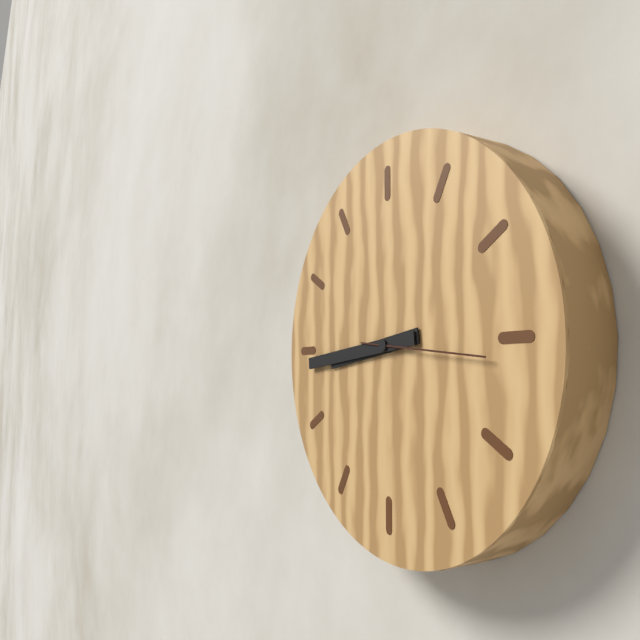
8:44:16
